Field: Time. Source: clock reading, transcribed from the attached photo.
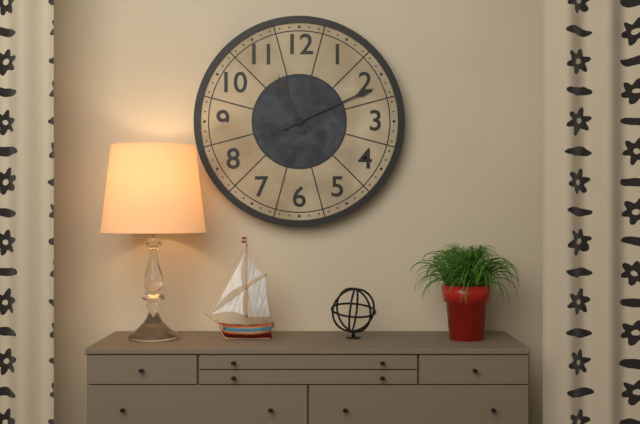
11:11
